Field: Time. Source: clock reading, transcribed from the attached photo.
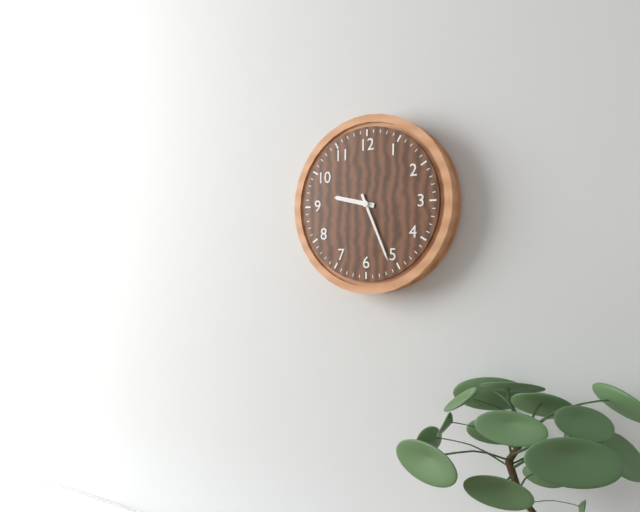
9:26
